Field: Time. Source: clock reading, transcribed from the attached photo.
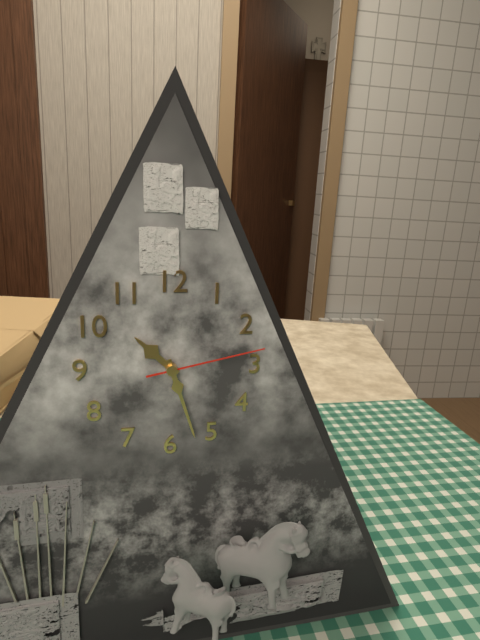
10:27:13
